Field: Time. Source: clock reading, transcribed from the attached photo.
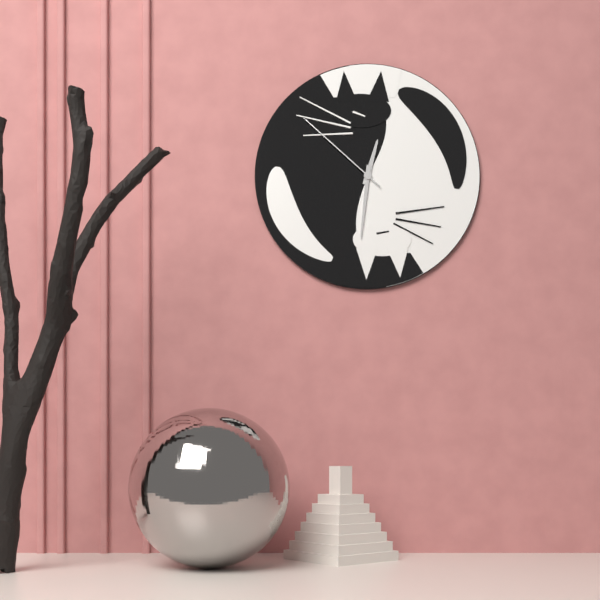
12:31:52
